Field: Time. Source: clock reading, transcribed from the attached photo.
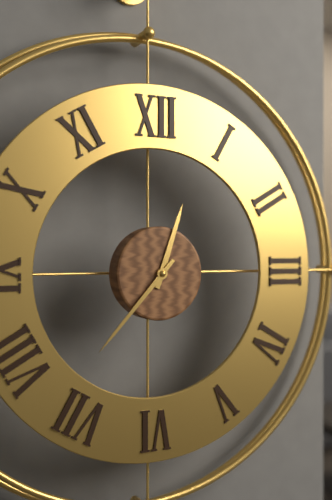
12:37
